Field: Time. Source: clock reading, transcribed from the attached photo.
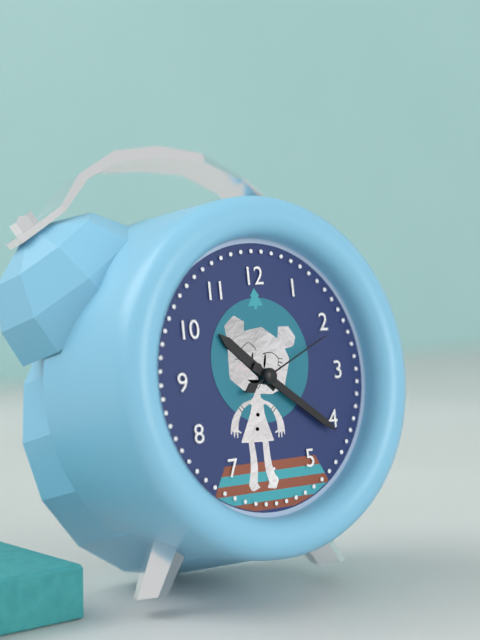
10:21:11
